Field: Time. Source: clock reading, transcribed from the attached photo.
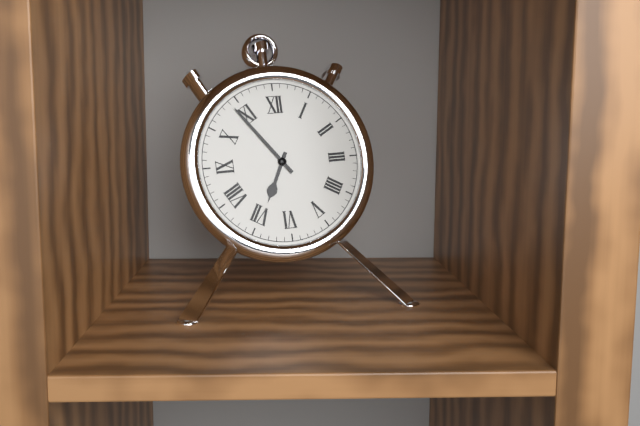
6:54
